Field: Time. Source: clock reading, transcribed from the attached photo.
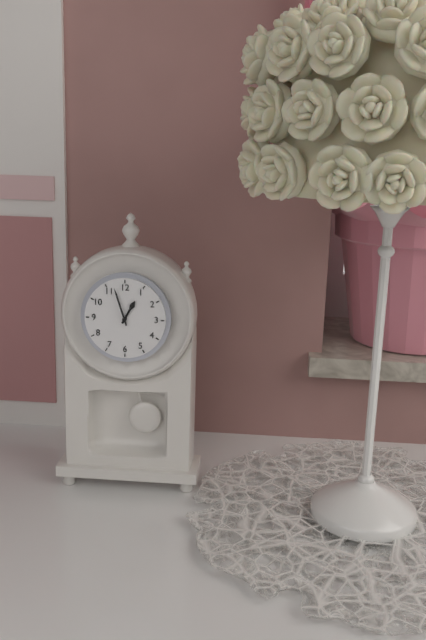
12:57
